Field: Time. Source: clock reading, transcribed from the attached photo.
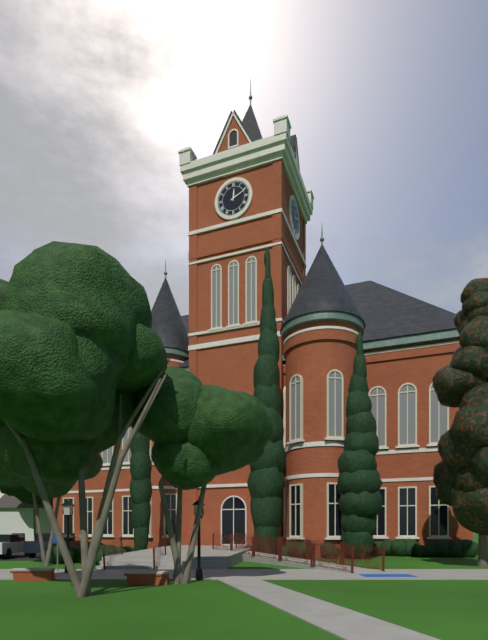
12:11
